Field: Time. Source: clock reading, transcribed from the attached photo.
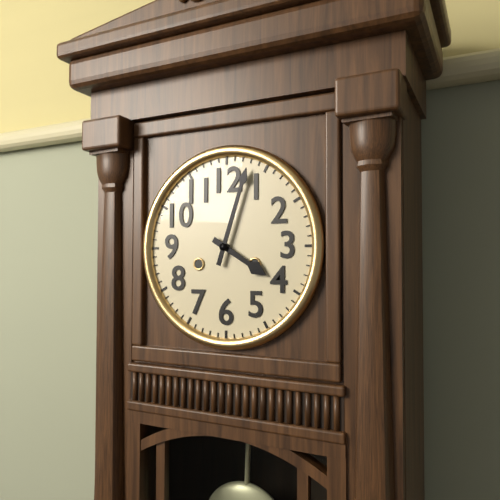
4:03
